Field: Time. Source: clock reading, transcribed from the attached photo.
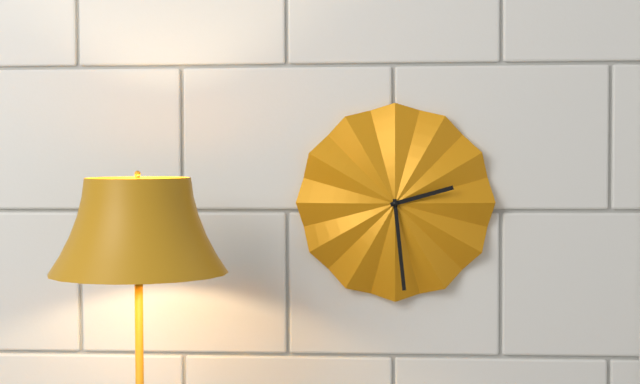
2:29
